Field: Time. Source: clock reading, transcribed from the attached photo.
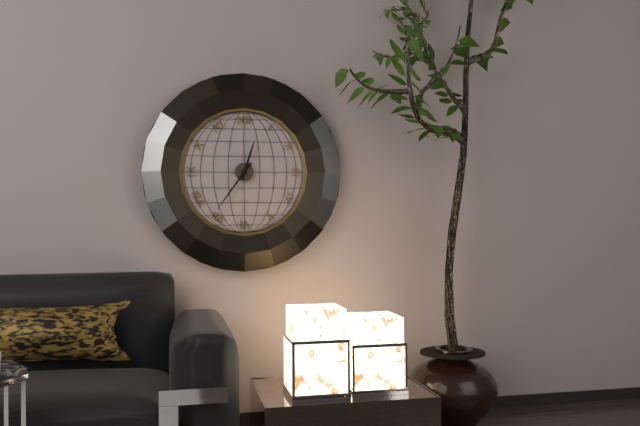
12:36
